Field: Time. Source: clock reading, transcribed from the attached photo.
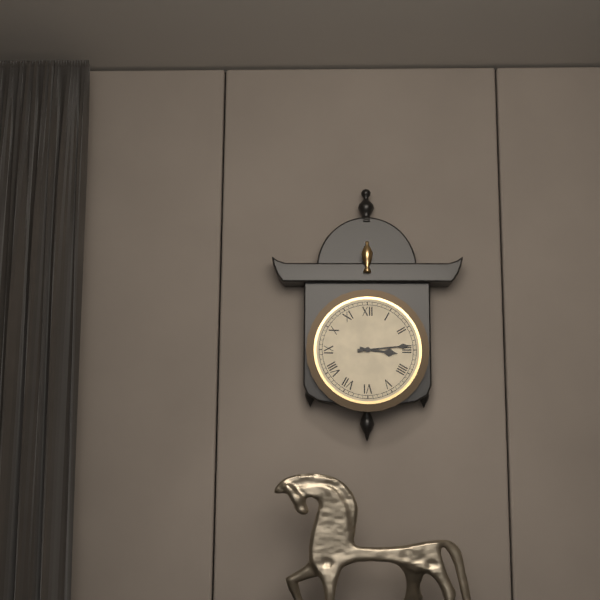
3:14
